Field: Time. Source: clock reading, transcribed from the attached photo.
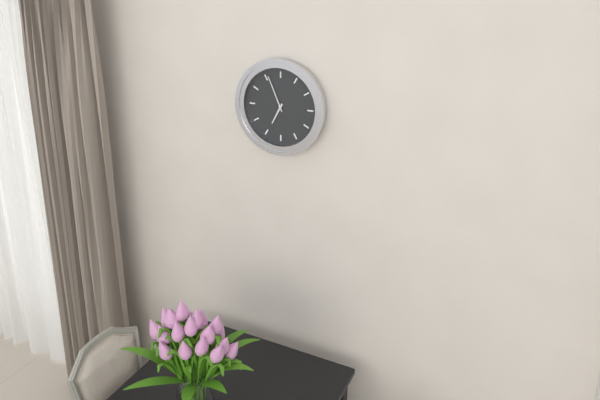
6:56
